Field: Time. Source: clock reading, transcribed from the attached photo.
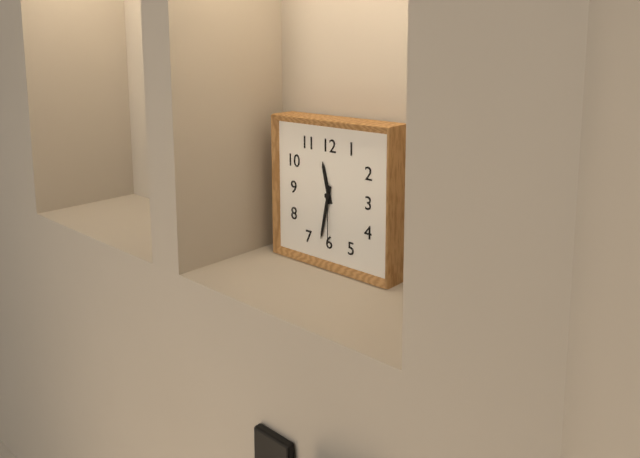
11:32:30
